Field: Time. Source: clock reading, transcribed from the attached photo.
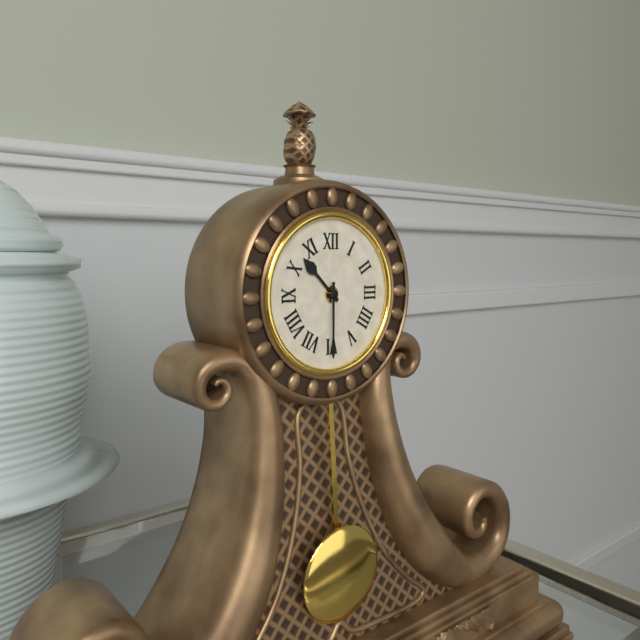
10:30
